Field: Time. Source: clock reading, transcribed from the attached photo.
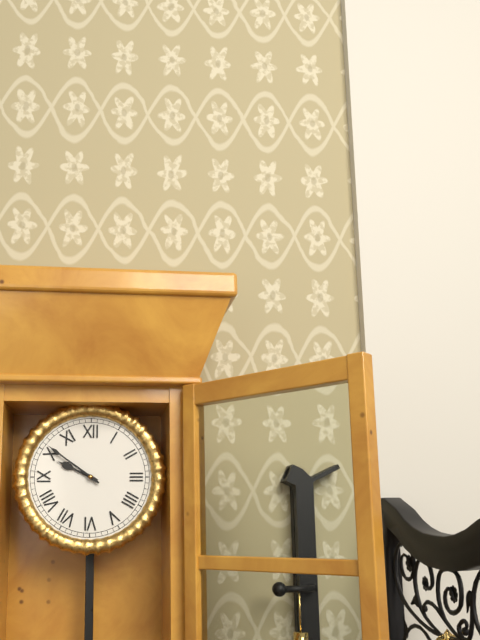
9:51
